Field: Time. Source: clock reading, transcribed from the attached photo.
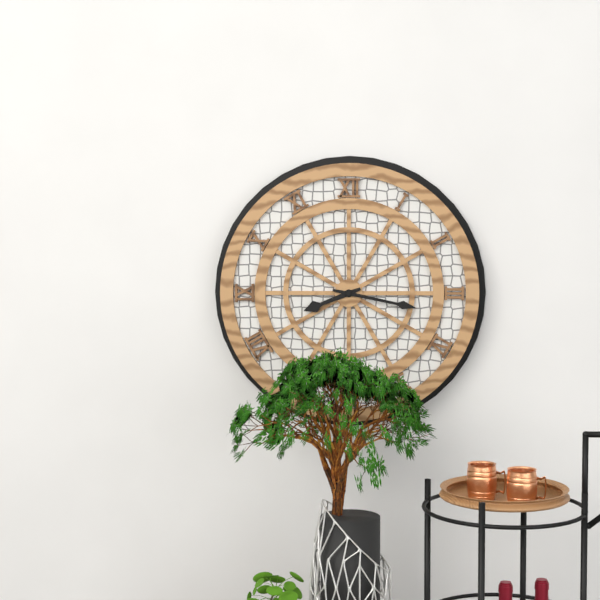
8:17
